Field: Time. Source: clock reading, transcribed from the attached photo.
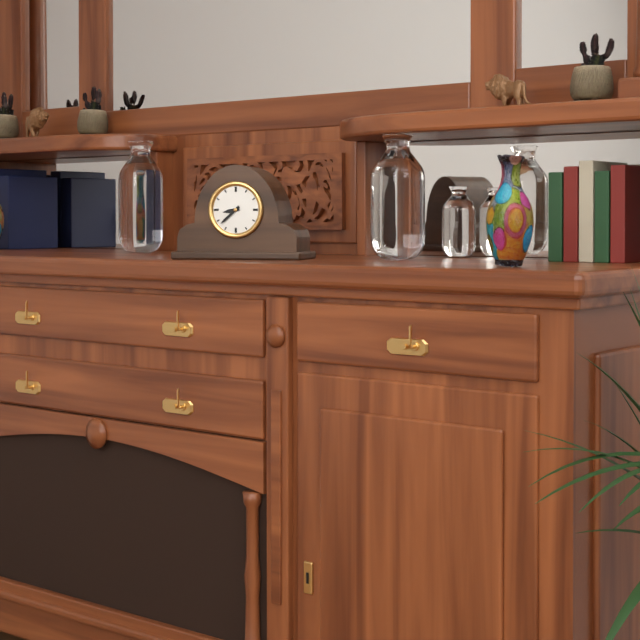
8:38
